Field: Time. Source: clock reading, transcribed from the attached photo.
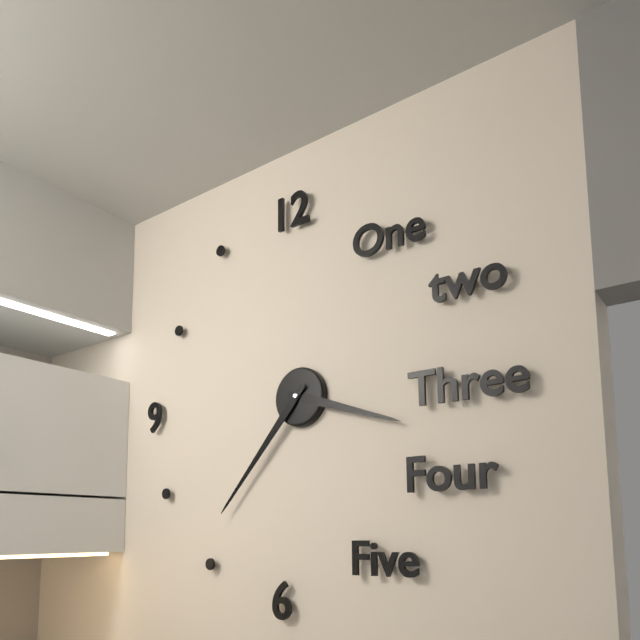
3:37
